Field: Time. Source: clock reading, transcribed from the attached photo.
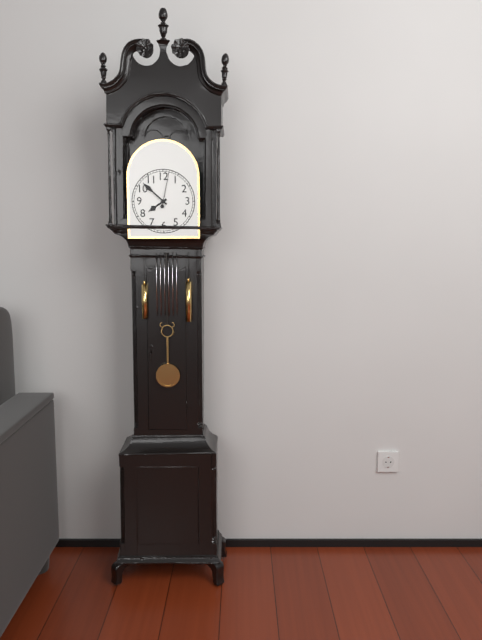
7:52
